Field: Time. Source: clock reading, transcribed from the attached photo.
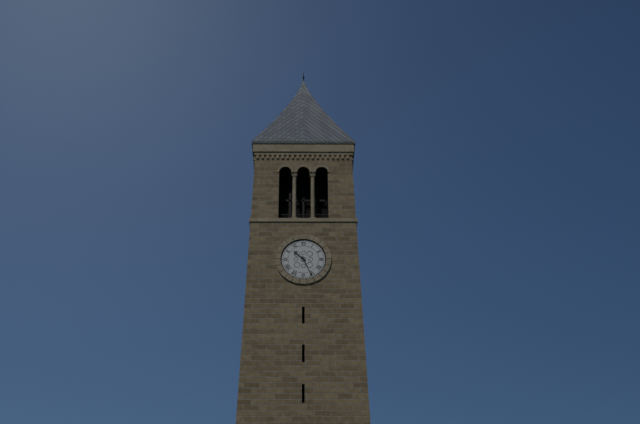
10:26
